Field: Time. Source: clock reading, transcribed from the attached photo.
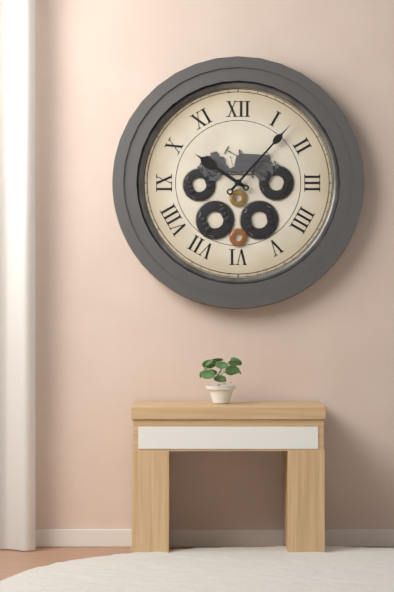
10:07
